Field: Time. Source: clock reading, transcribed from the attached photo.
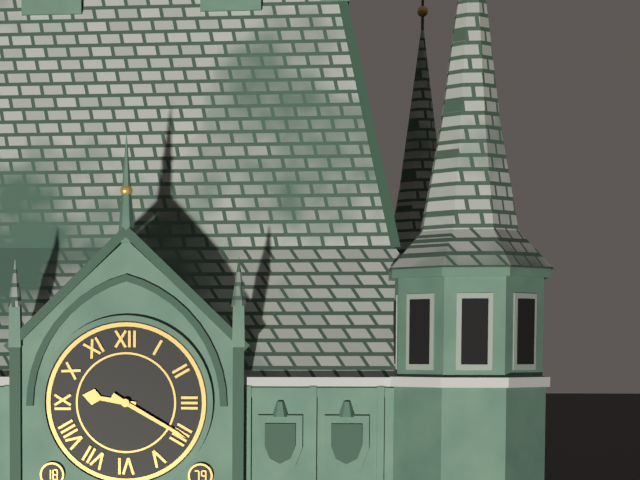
9:20
